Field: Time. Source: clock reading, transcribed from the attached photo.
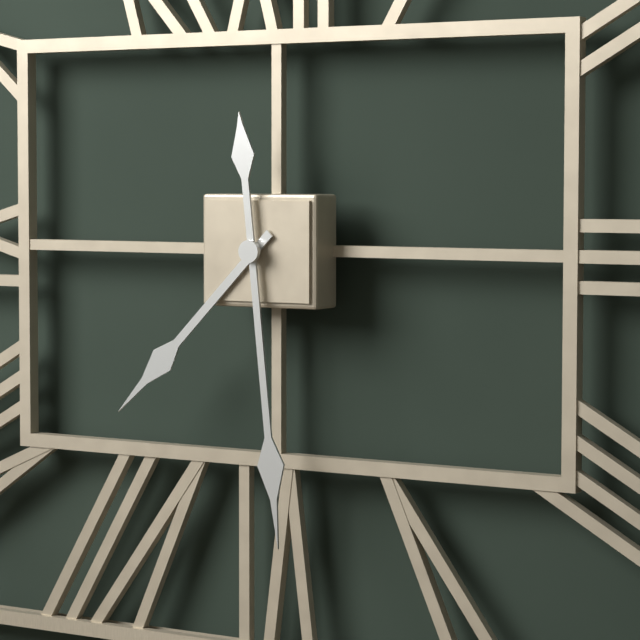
7:29
